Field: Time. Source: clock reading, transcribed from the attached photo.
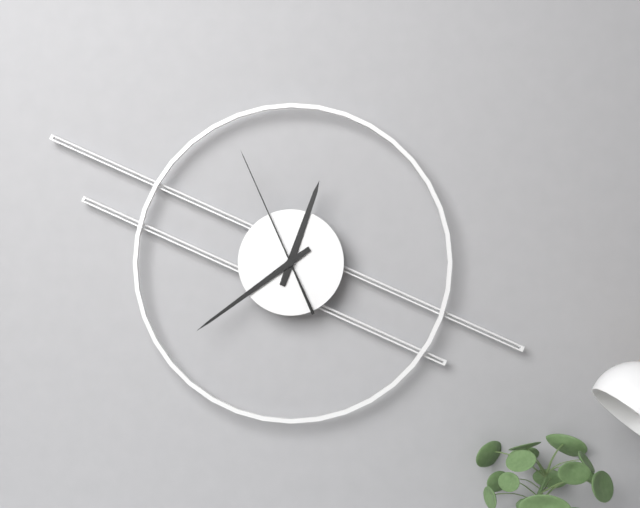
12:39:56
